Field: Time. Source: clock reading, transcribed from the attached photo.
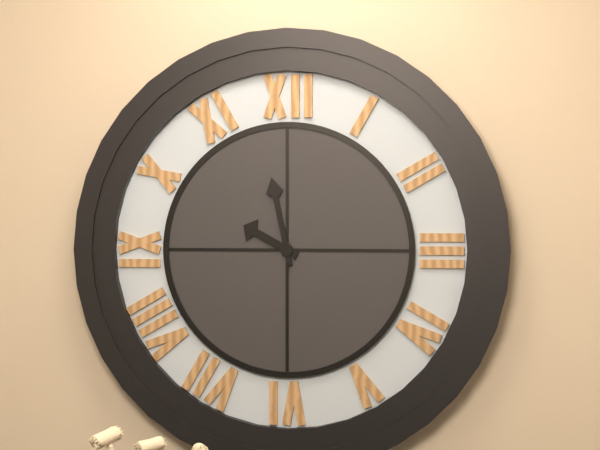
9:58
